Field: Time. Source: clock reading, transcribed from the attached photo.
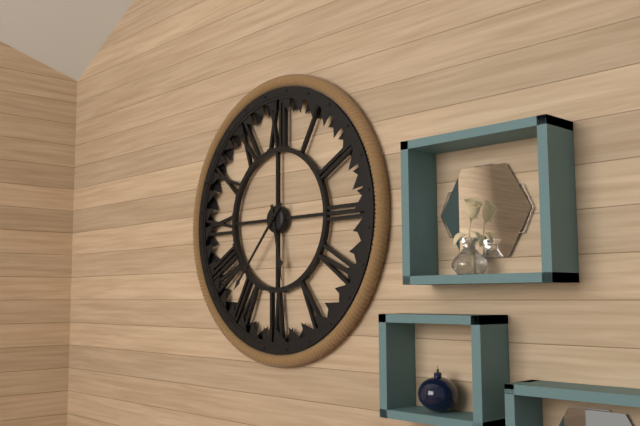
5:37
